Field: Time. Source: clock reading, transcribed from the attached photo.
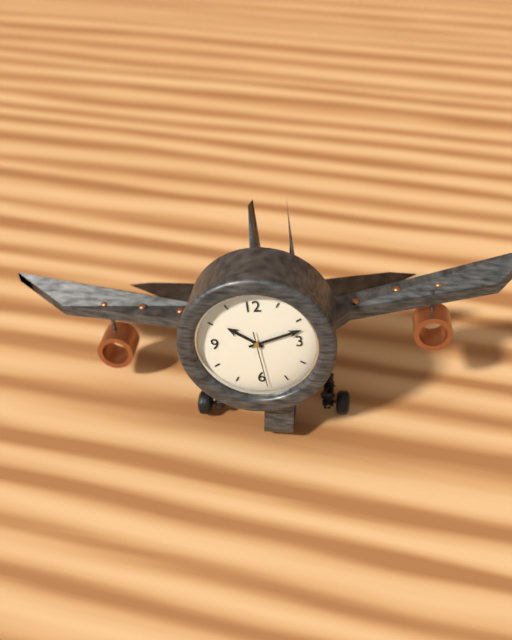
10:12:29
